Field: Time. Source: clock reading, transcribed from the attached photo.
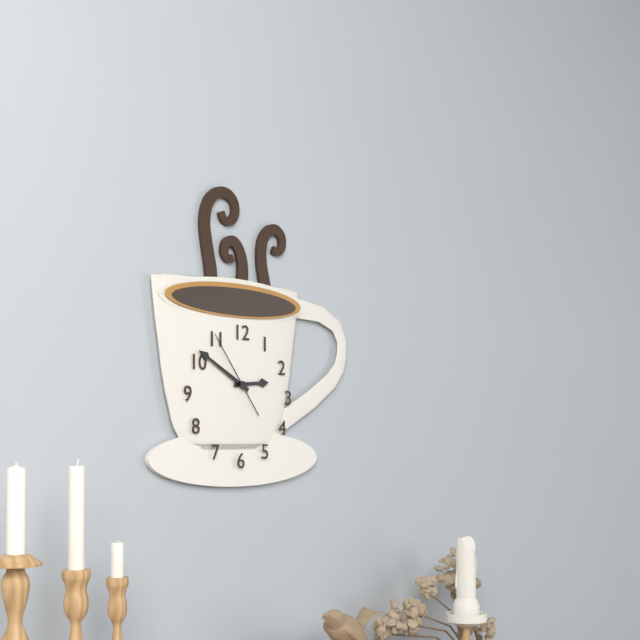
2:50:54
